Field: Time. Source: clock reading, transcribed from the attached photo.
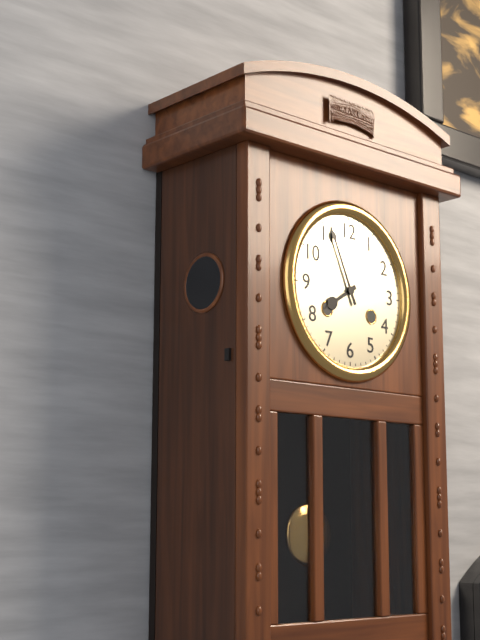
7:56
